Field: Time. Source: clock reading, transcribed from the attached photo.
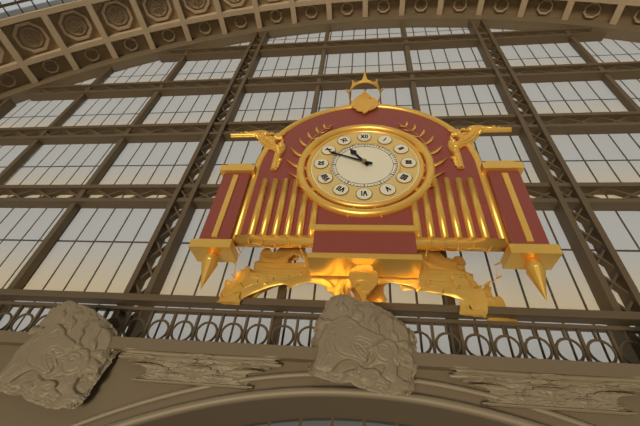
10:49
